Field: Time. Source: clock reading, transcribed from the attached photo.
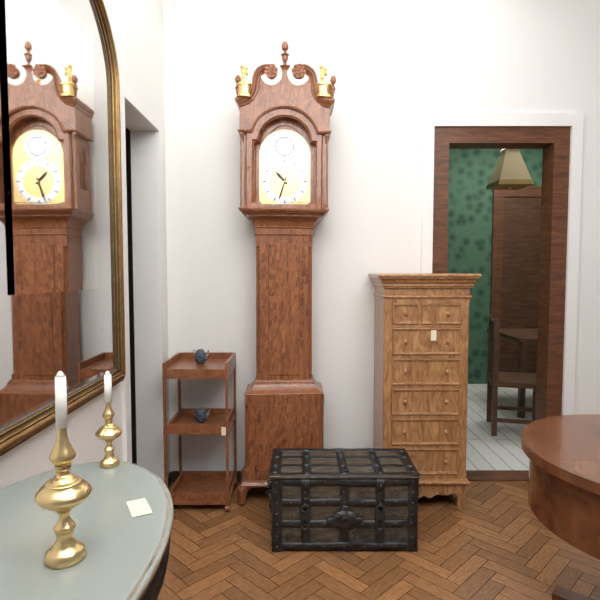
10:33
